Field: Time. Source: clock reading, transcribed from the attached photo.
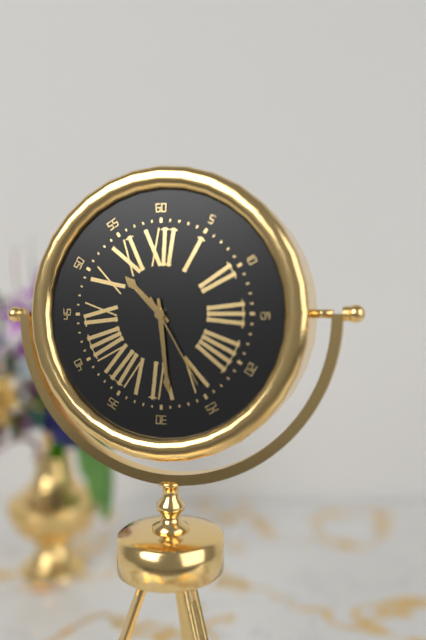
10:29:25
